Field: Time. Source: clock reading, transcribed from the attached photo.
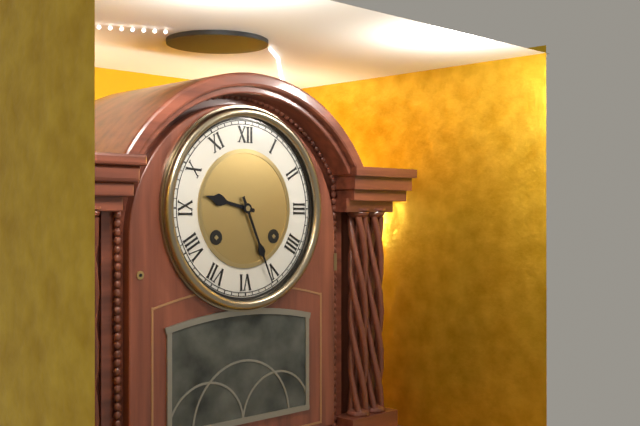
9:26
